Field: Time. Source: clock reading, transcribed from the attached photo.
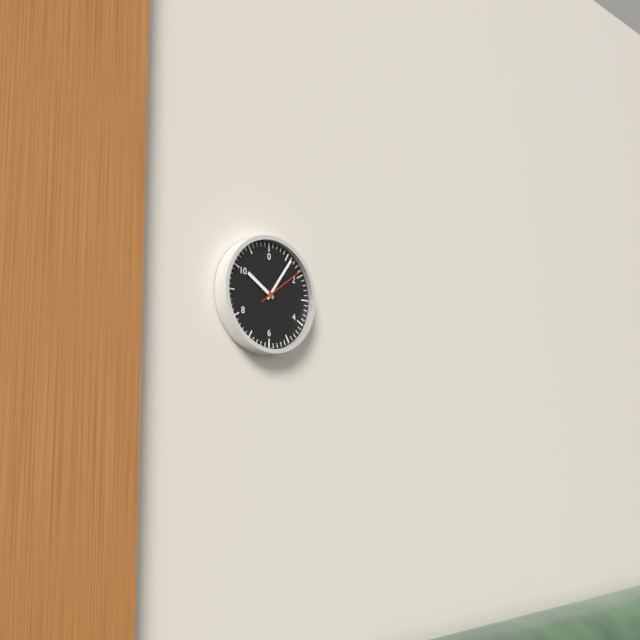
10:06:09
